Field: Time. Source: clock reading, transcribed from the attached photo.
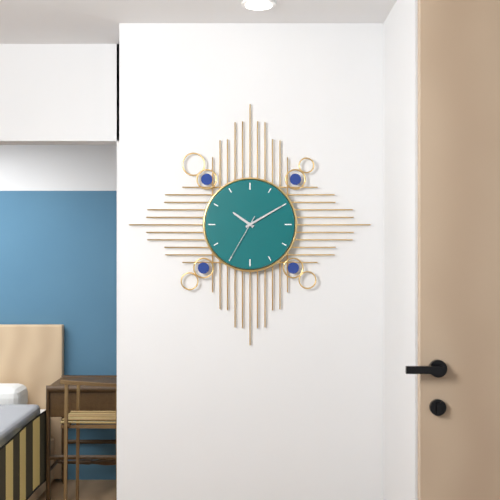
10:10:35
